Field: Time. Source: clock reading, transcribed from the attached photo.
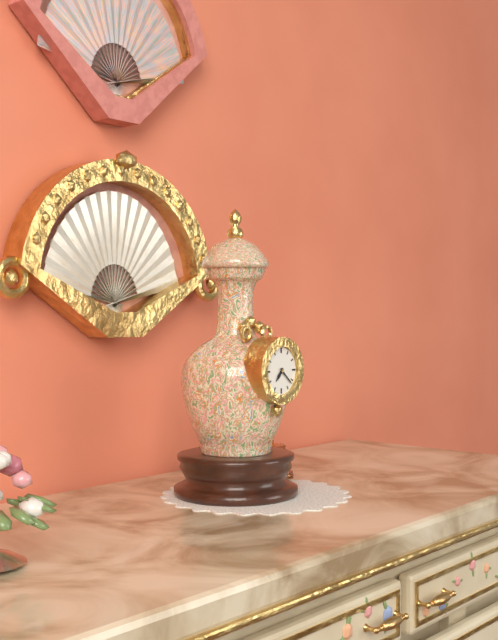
7:22
